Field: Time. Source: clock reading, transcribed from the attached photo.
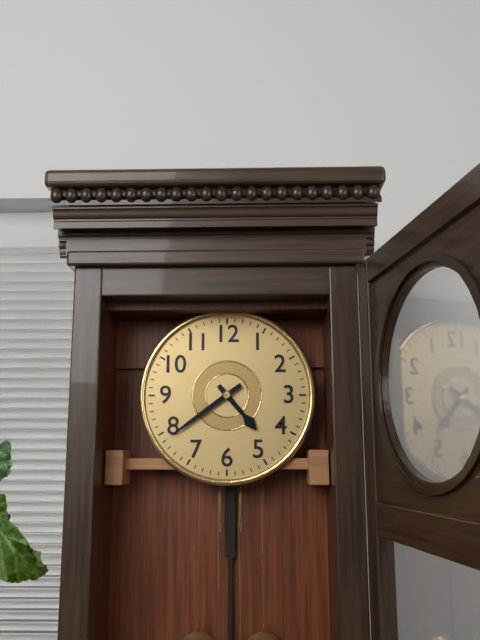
4:39
